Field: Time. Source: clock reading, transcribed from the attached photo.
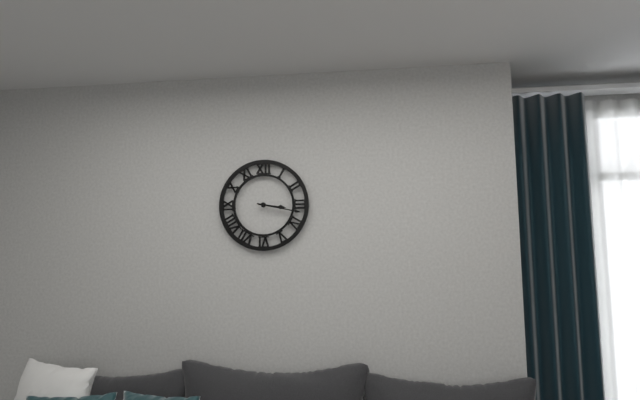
3:17
